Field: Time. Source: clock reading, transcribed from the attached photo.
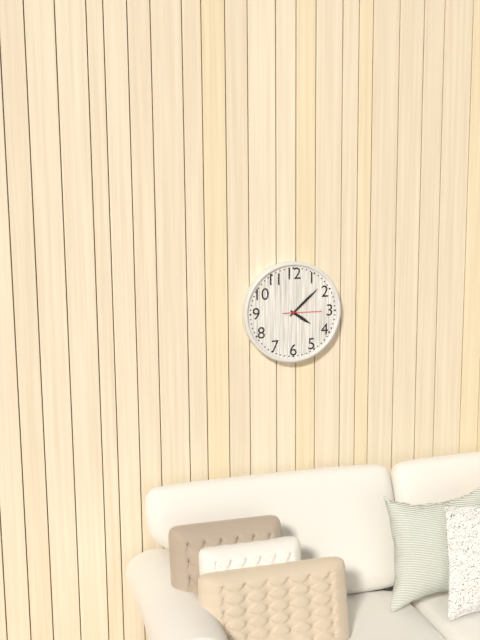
4:08
